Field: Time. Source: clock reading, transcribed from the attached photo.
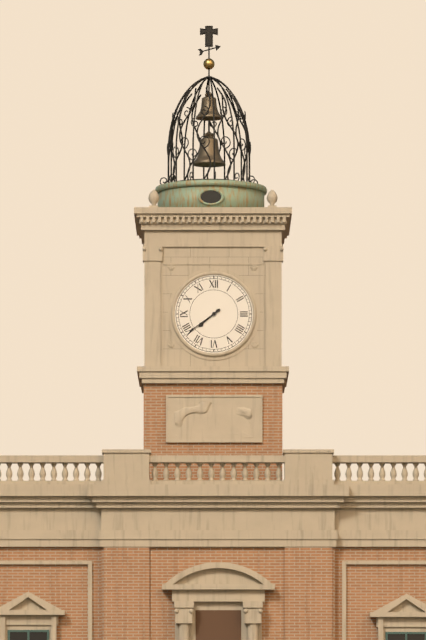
7:39
